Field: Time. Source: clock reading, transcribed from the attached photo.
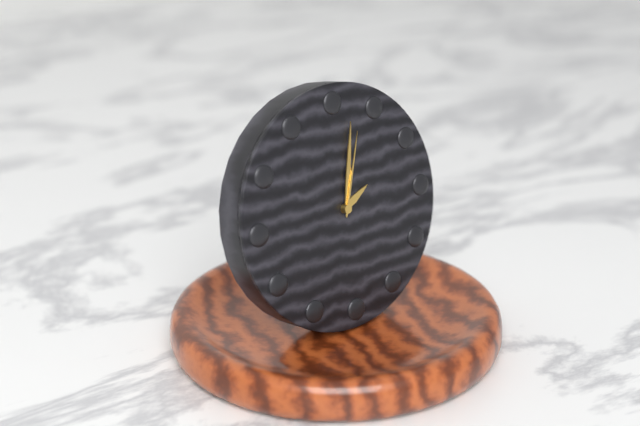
2:02:03
